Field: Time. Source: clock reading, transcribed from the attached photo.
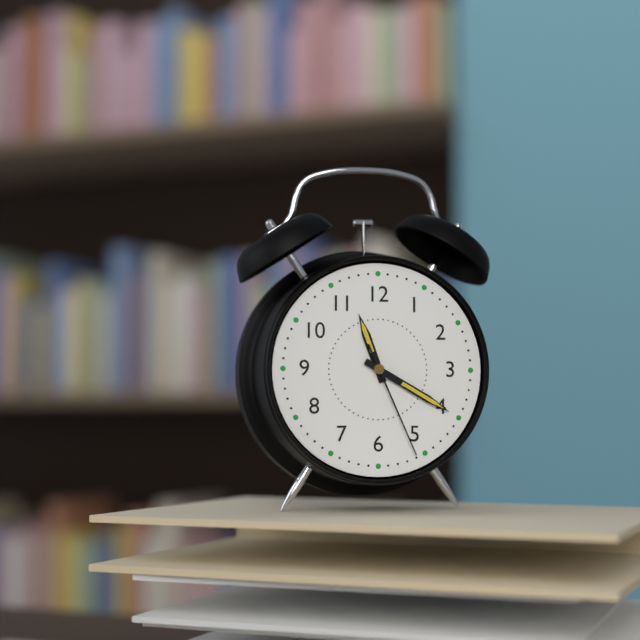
11:20:26
